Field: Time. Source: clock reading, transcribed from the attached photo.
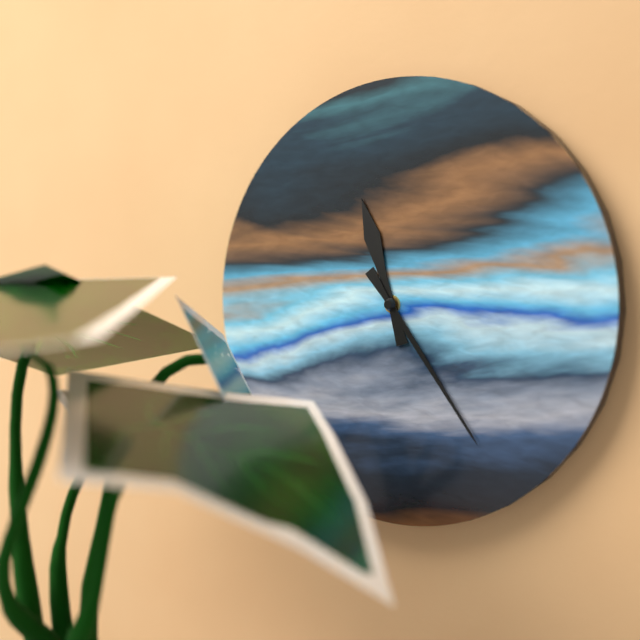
11:24
